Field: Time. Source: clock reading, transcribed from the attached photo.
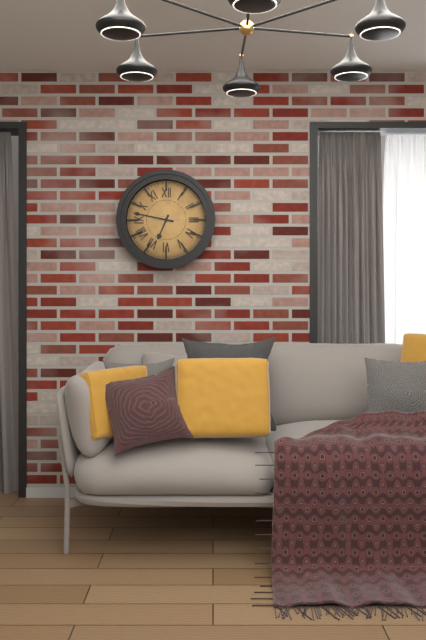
6:47
